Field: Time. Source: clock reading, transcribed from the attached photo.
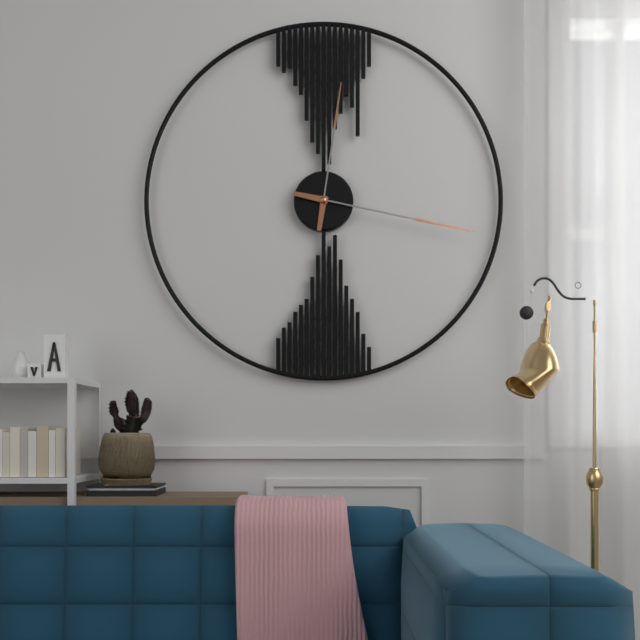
12:17
